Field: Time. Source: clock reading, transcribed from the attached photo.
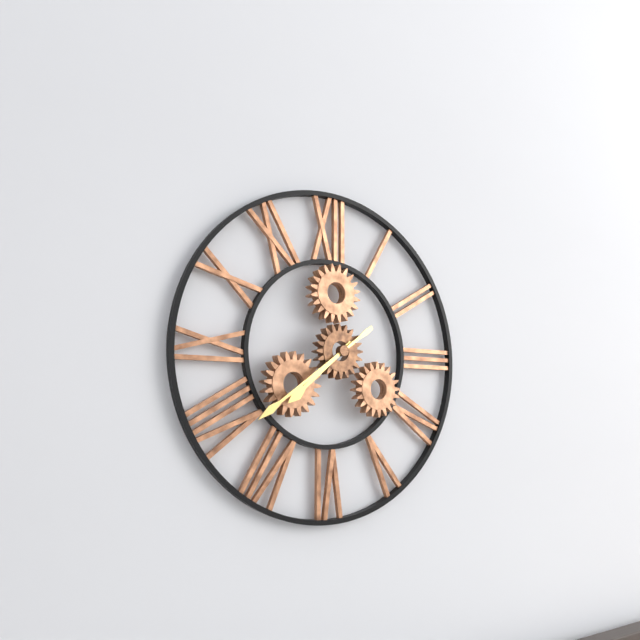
7:39
